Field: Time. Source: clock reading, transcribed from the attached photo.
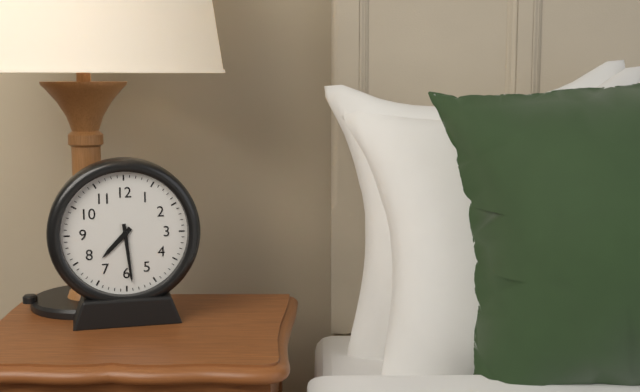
7:29
